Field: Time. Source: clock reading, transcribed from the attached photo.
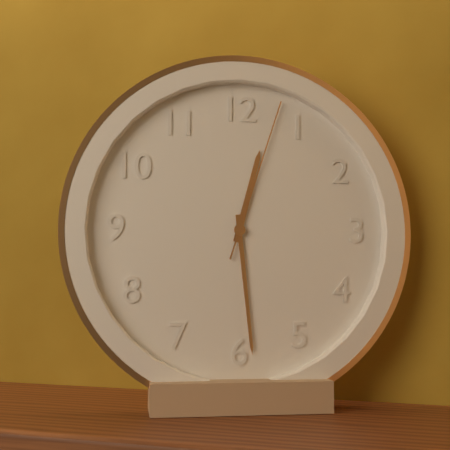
12:29:03
